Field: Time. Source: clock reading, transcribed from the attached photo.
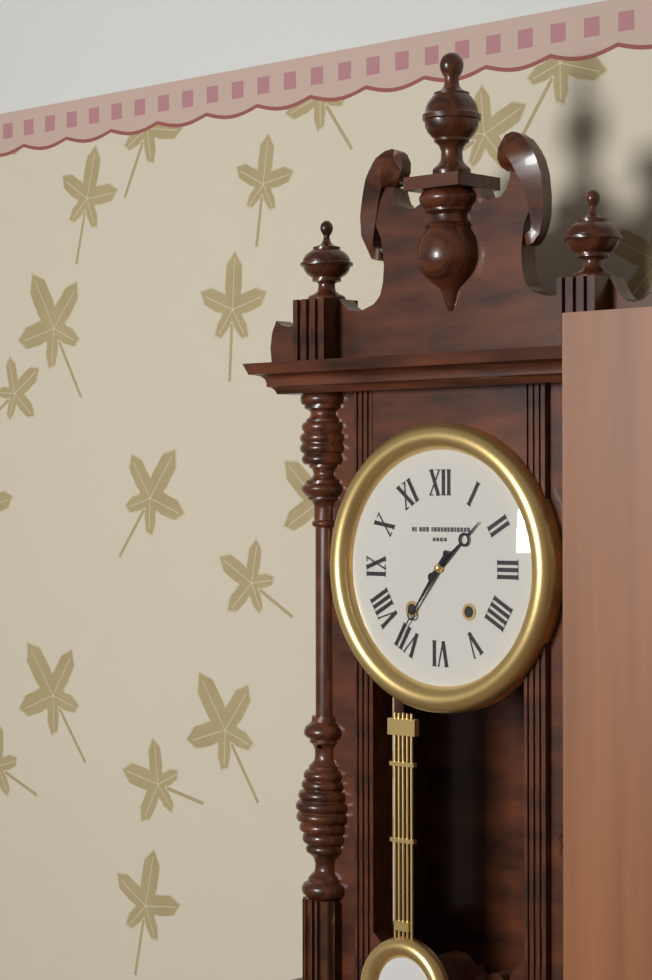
1:36
